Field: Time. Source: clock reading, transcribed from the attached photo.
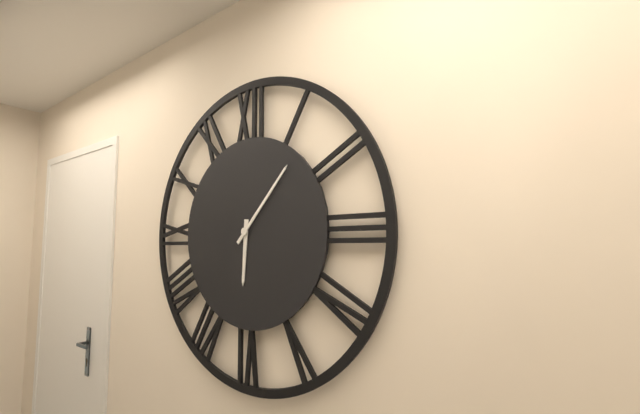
6:07
